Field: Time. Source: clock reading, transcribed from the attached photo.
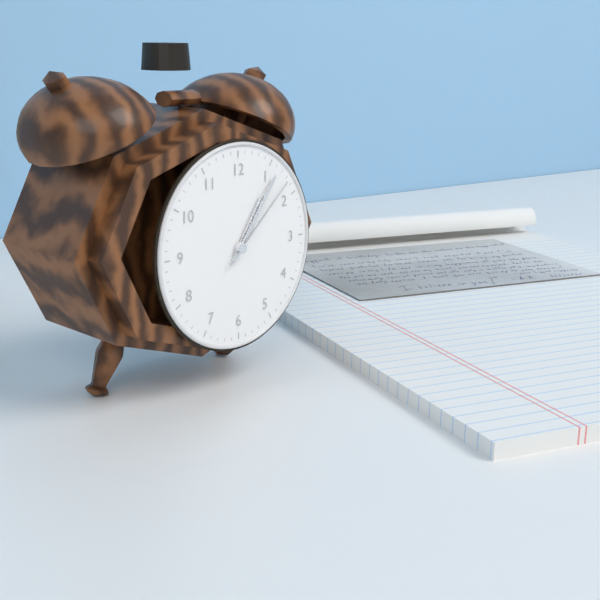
1:06:08
